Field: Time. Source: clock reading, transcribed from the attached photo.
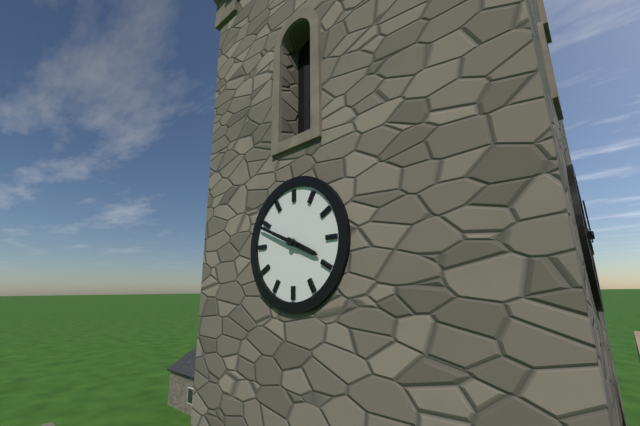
3:49
